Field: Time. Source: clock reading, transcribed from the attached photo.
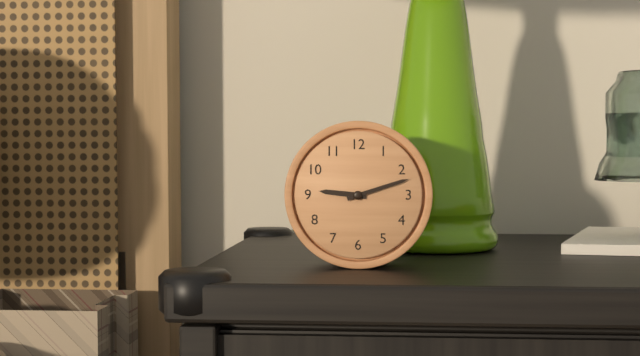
9:12
